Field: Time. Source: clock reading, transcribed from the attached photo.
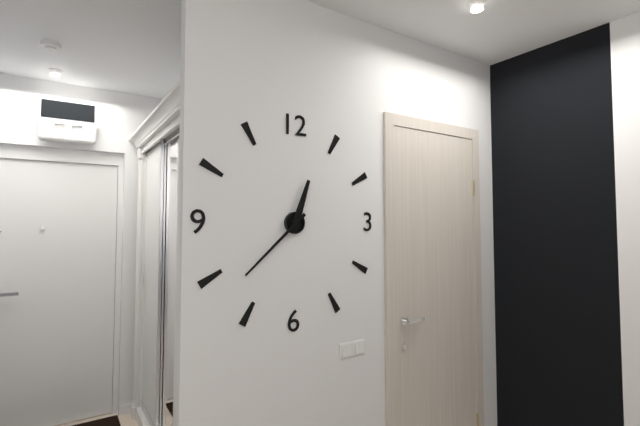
12:38
